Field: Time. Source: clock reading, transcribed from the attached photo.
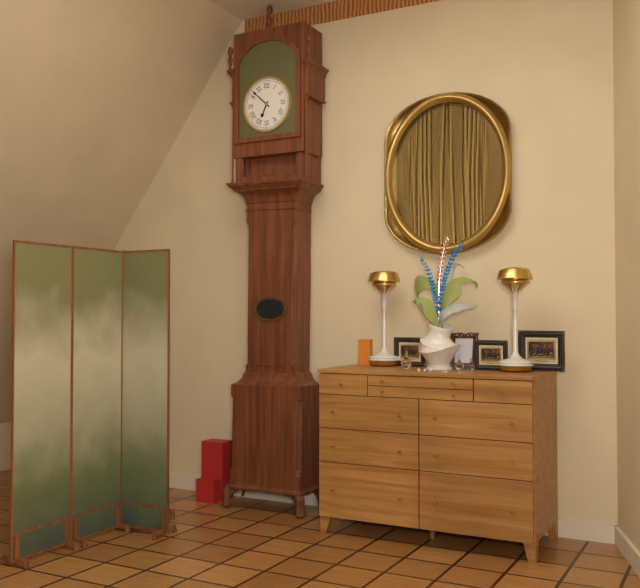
6:52
